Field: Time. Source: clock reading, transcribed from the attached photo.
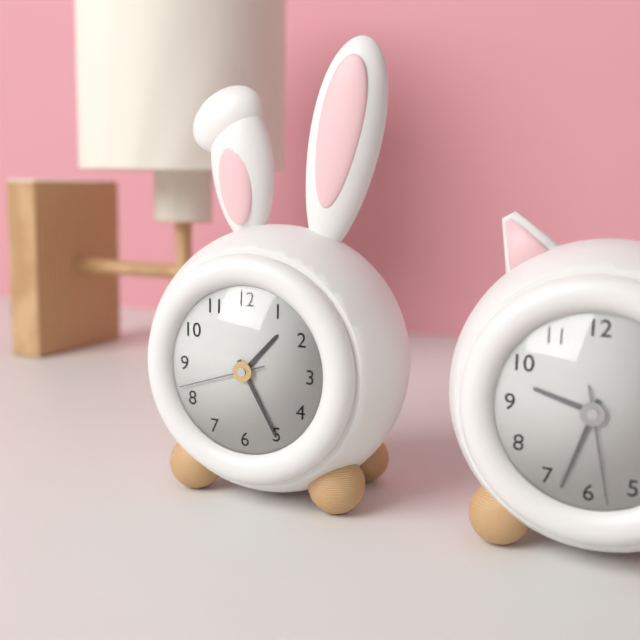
1:25:42
